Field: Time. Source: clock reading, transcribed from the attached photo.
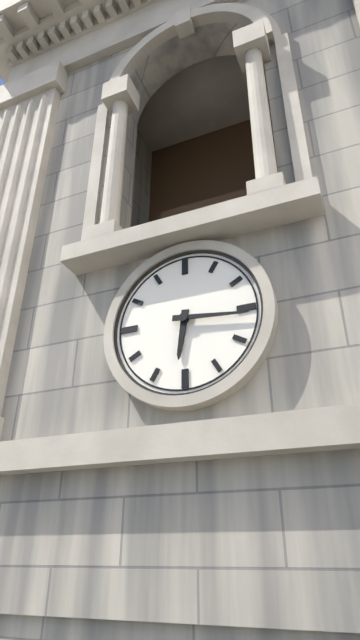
6:16
